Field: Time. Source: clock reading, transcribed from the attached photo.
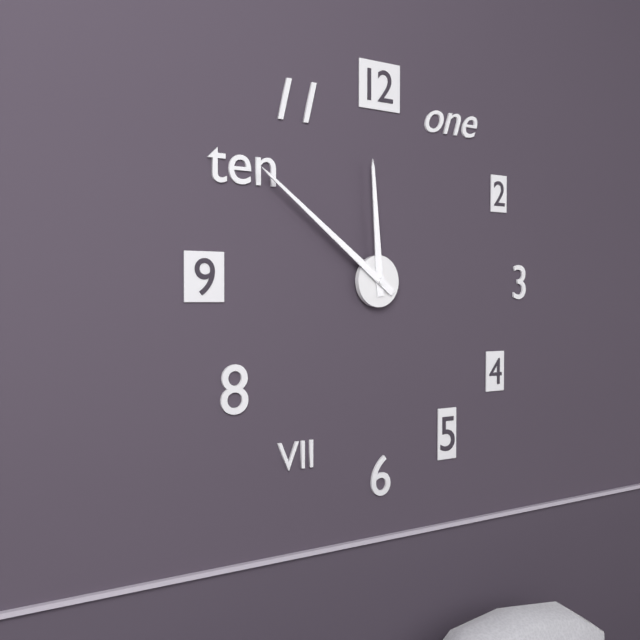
11:51
